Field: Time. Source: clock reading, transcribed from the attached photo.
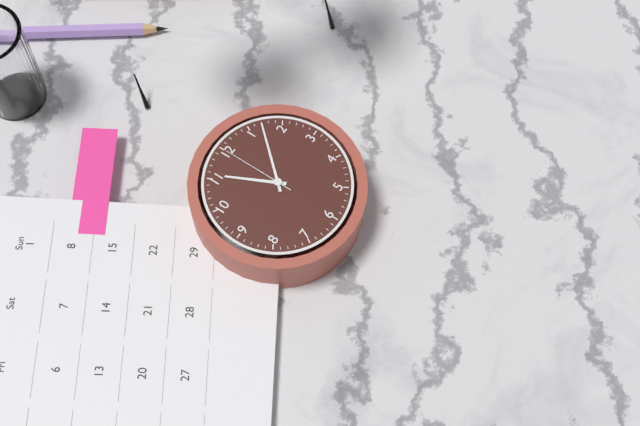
11:07:00
